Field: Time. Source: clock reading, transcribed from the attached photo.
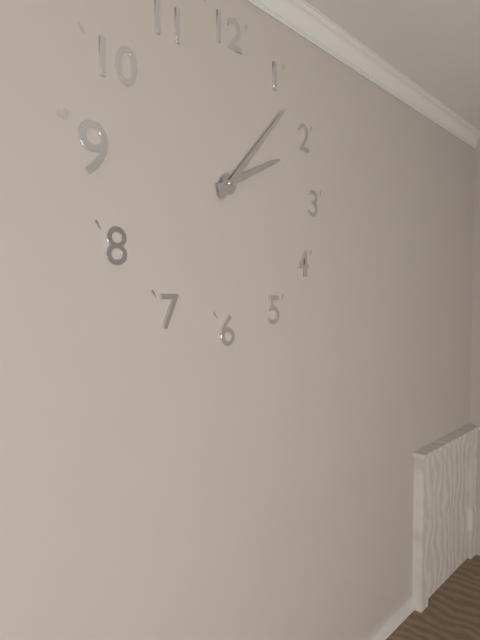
2:07
